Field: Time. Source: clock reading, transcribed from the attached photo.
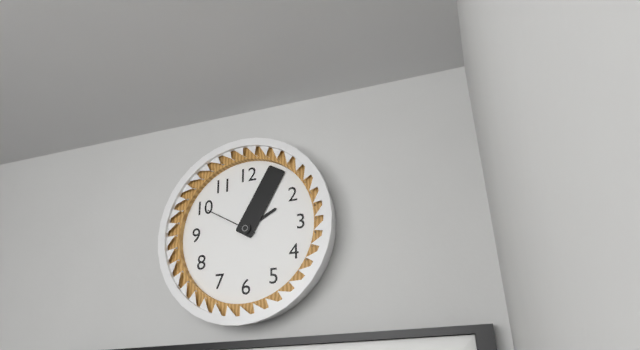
2:05:50
